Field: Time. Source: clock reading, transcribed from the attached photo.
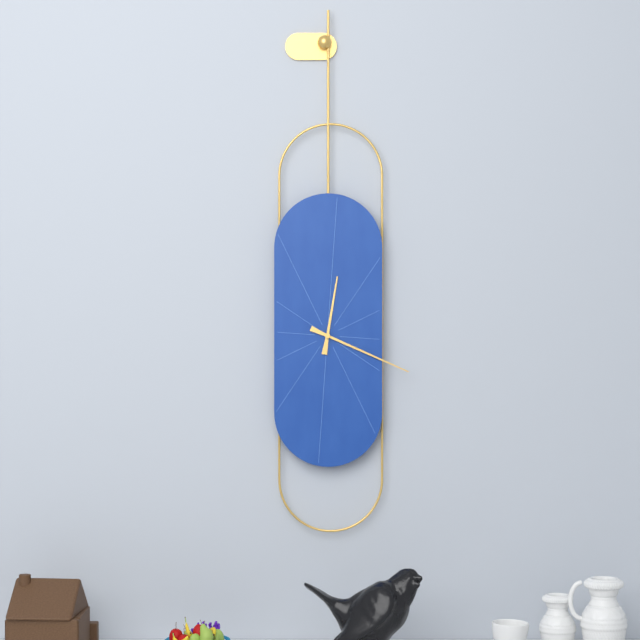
12:19
